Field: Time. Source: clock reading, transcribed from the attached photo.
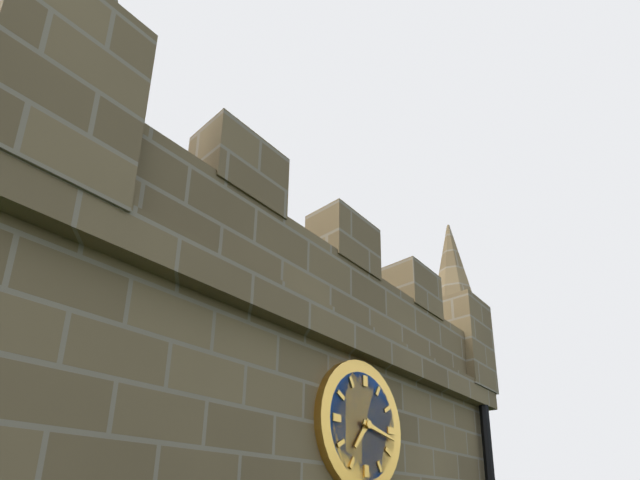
7:17
